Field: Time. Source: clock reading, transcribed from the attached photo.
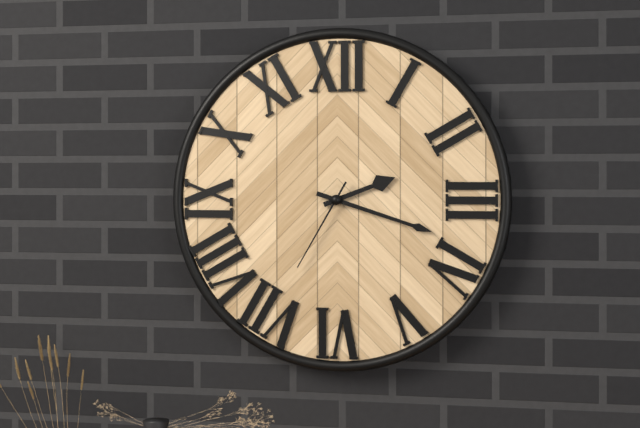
2:18:35
